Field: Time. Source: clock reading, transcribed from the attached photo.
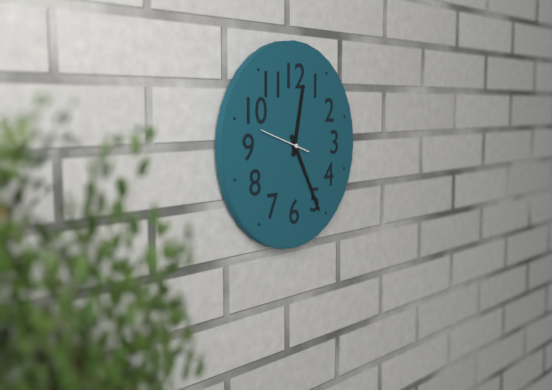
12:25
